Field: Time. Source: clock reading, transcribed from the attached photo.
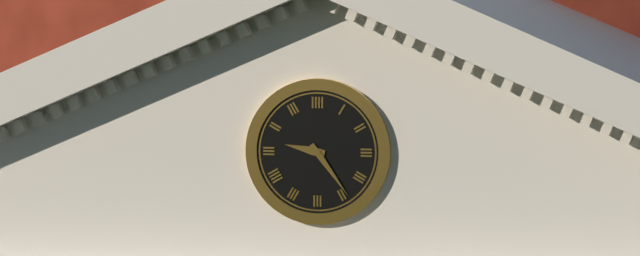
9:24
